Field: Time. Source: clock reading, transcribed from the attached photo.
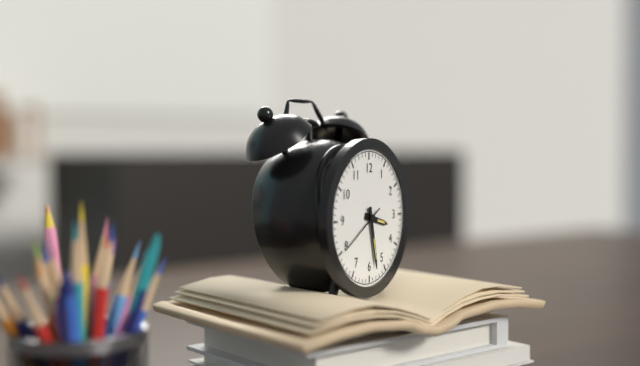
3:28:40
